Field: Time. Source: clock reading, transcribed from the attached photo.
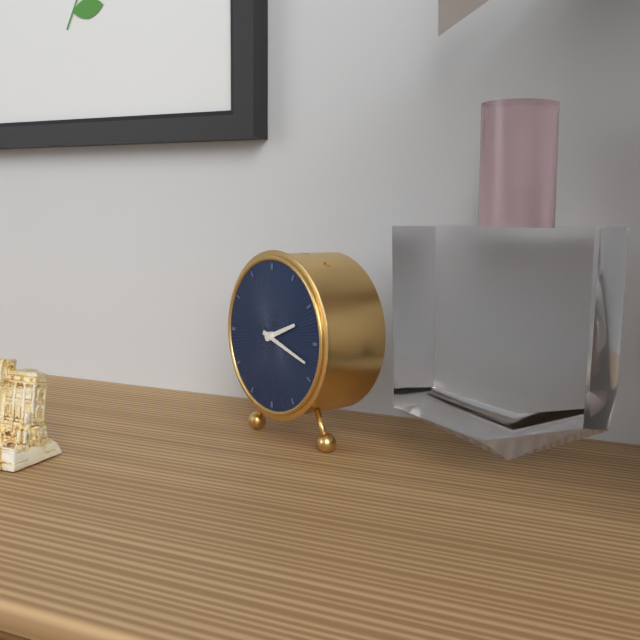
2:18
